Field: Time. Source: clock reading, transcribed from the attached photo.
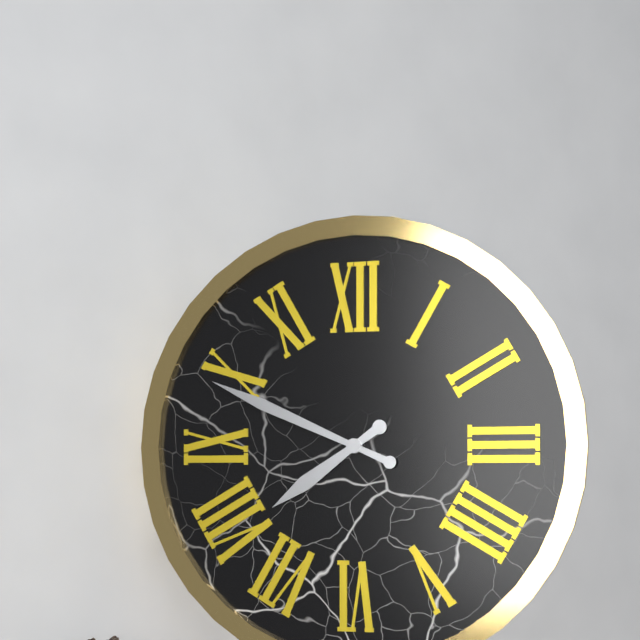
7:49
